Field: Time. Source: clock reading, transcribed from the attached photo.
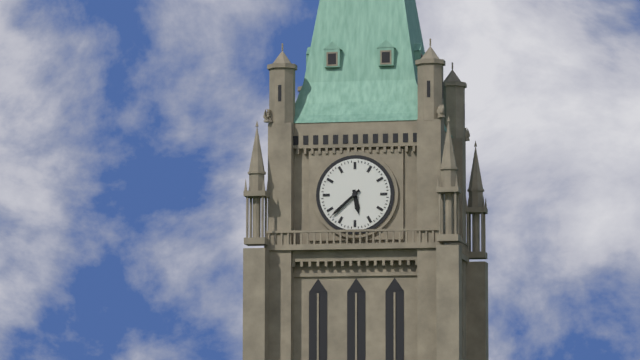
5:38
